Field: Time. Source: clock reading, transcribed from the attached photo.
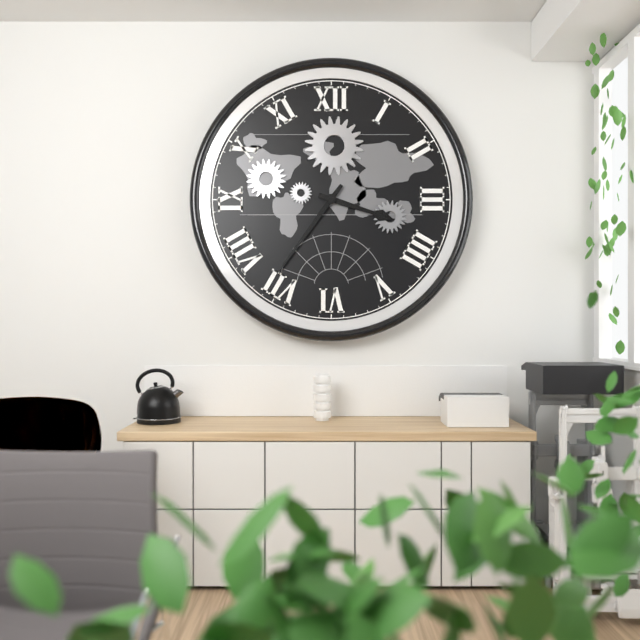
3:36
